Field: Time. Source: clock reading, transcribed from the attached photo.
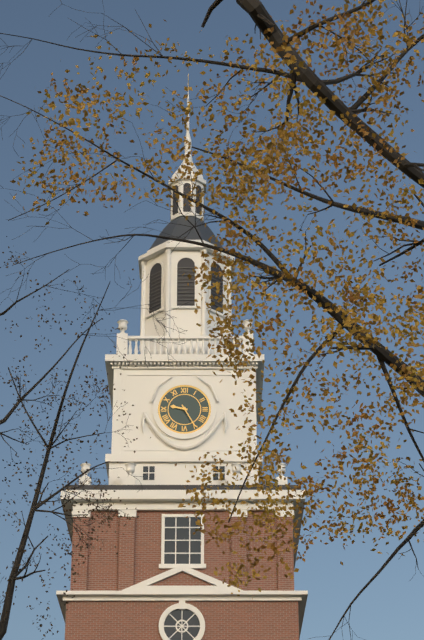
9:25
